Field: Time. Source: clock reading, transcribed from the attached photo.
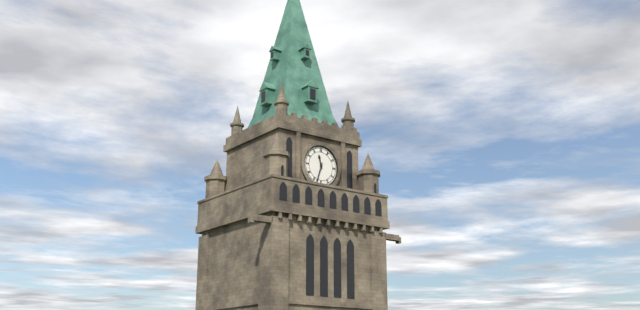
11:33
